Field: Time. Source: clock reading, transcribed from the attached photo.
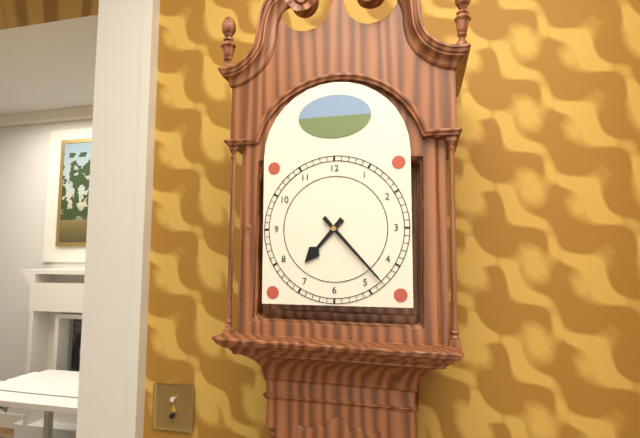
7:23
